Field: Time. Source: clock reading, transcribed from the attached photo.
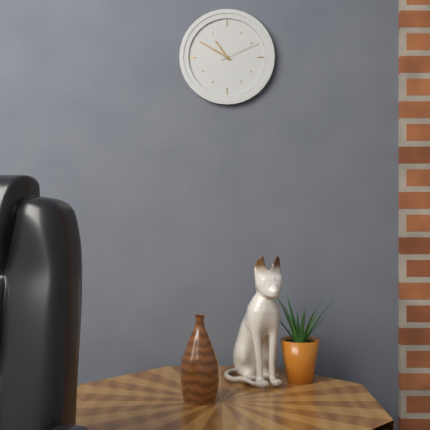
10:50
